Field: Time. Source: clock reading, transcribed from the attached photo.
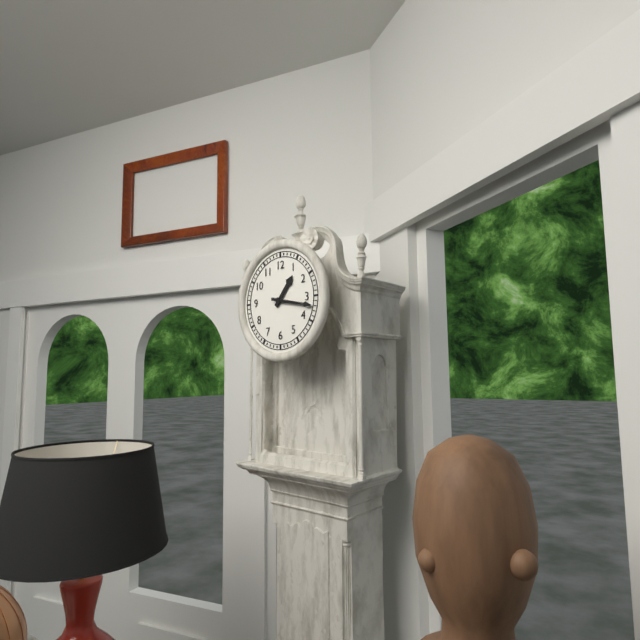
1:17
